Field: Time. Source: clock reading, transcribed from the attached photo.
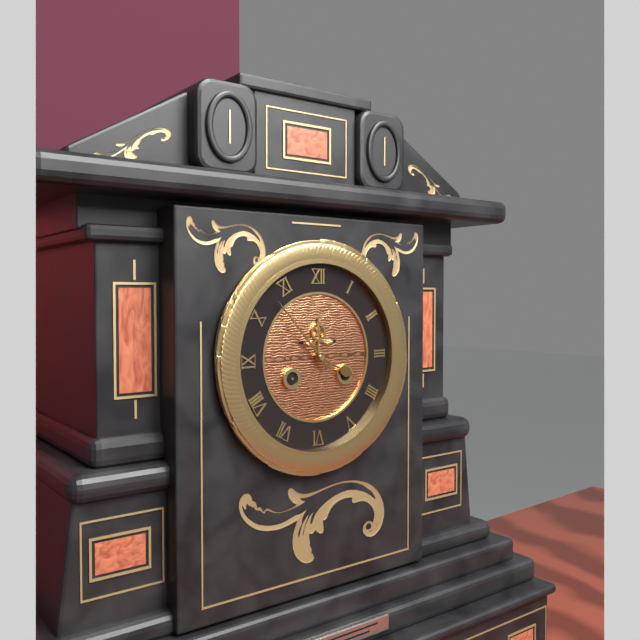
3:53
